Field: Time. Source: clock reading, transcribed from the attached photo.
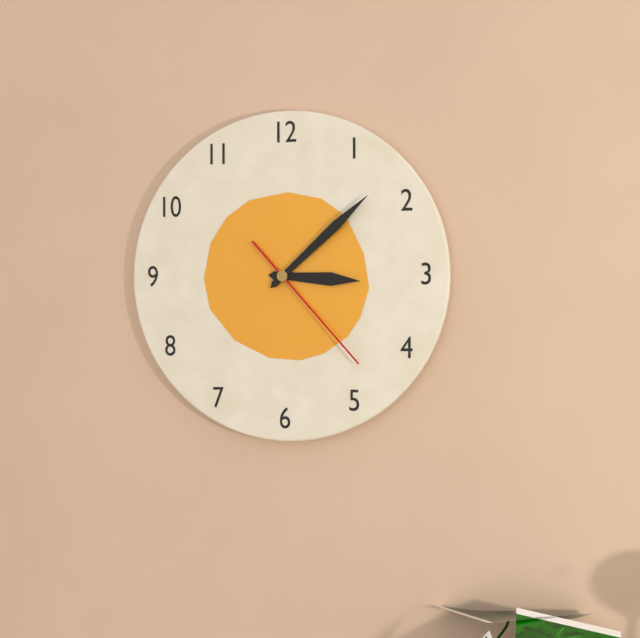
3:08:23
